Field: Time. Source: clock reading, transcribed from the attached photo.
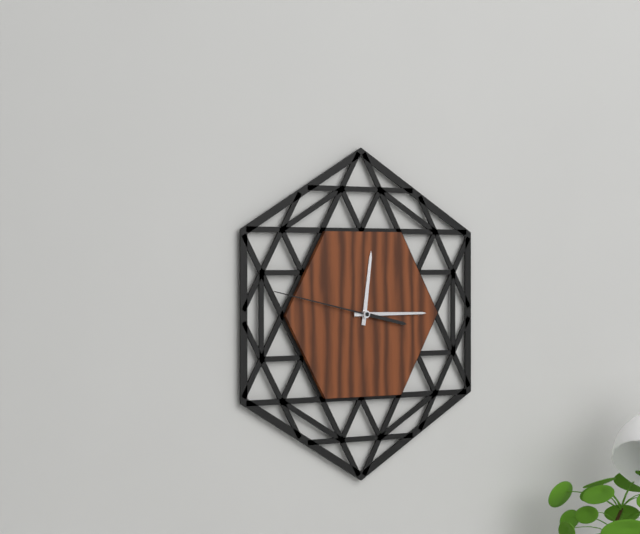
12:15:47
